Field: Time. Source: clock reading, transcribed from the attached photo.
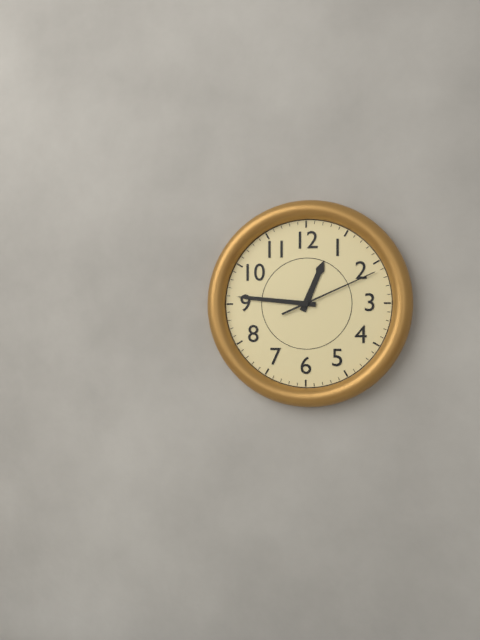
12:46:11
